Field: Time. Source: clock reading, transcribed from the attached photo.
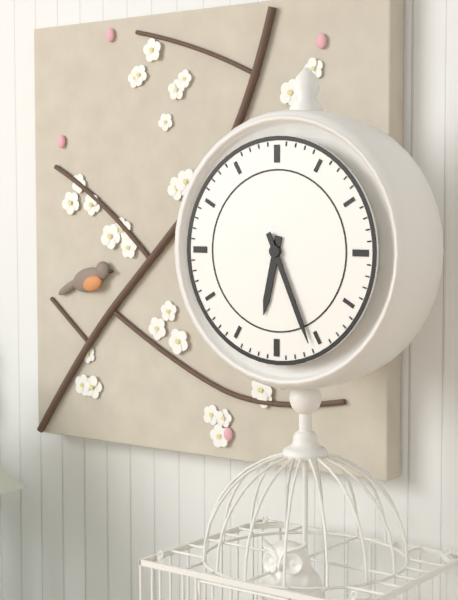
6:26
